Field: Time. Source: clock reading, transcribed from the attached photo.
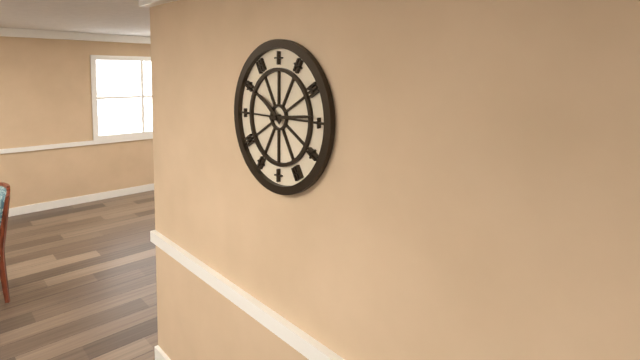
10:14
